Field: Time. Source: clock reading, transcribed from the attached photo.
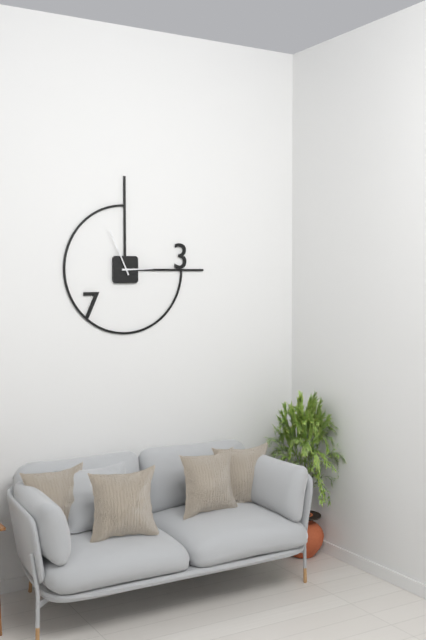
2:56
